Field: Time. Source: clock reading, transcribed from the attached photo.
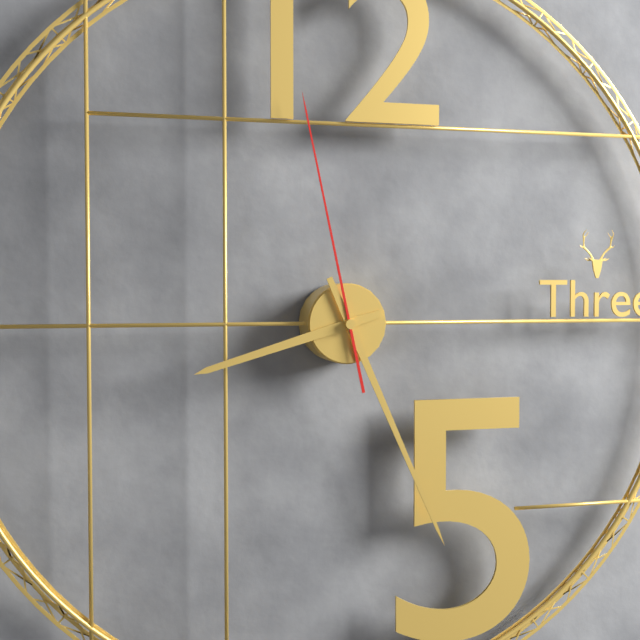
8:26:58
